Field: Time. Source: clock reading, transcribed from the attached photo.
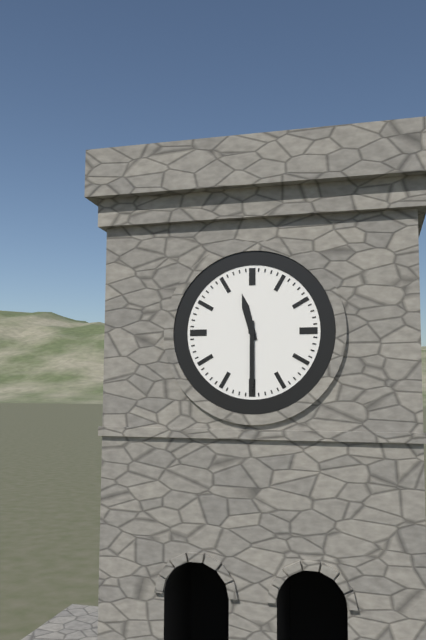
11:30
